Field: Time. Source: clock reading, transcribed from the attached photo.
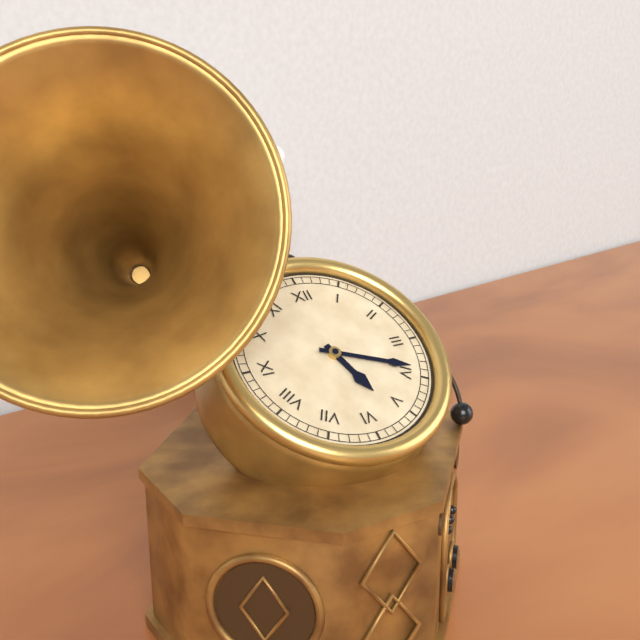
5:19
